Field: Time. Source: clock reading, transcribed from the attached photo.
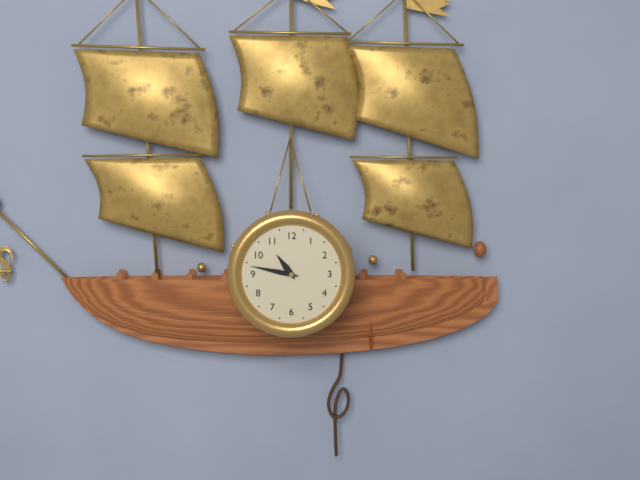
10:47
